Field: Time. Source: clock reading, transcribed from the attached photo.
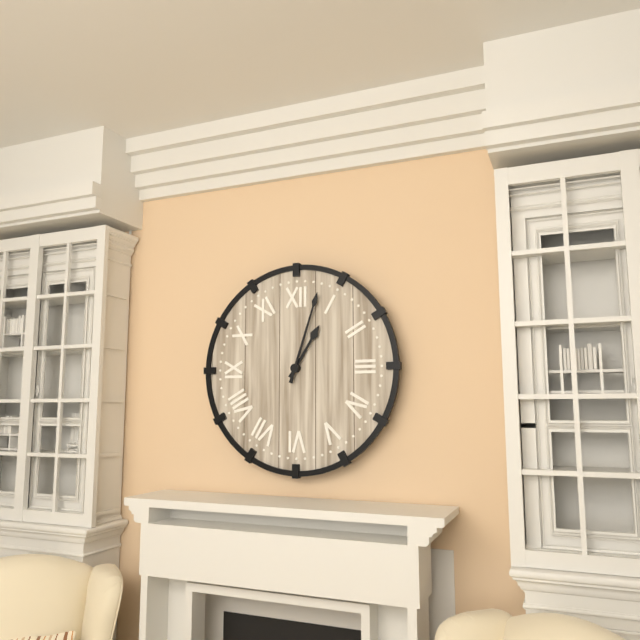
1:03
